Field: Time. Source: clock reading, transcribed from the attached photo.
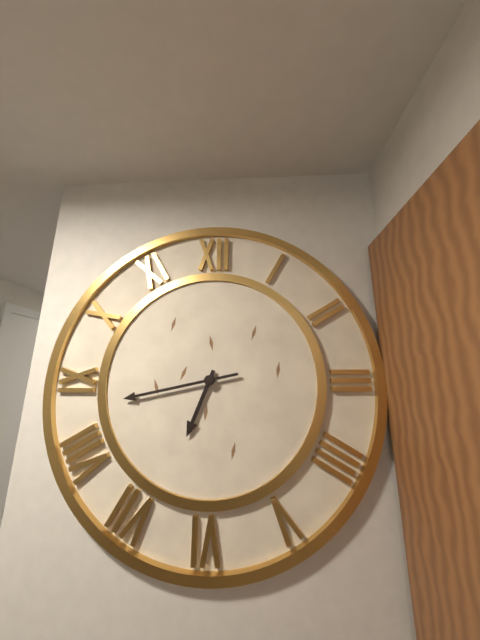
6:43
